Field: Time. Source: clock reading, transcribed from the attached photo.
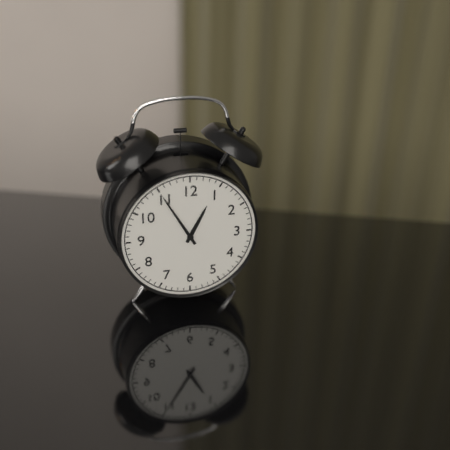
12:55
